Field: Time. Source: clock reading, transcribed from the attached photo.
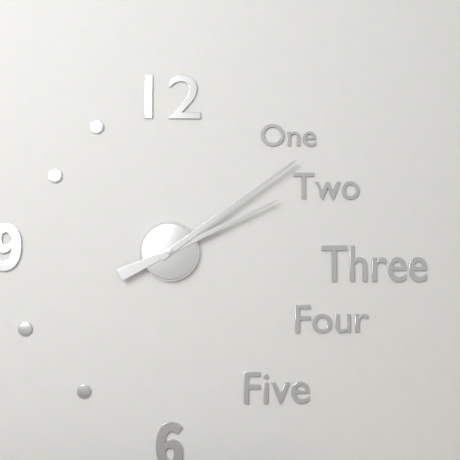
2:09
